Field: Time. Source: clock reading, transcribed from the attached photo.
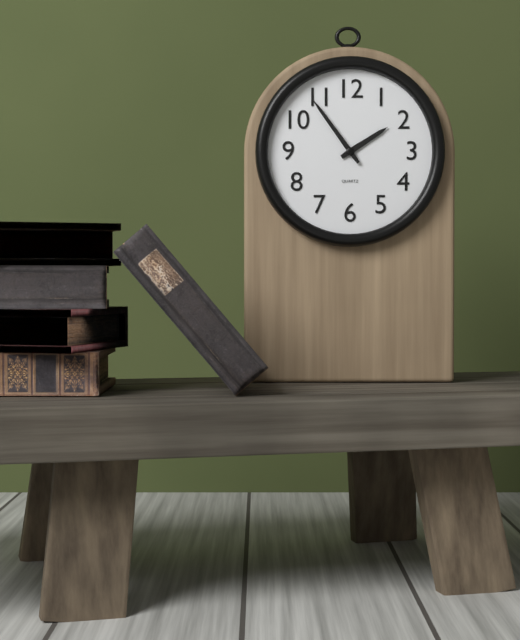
1:54
